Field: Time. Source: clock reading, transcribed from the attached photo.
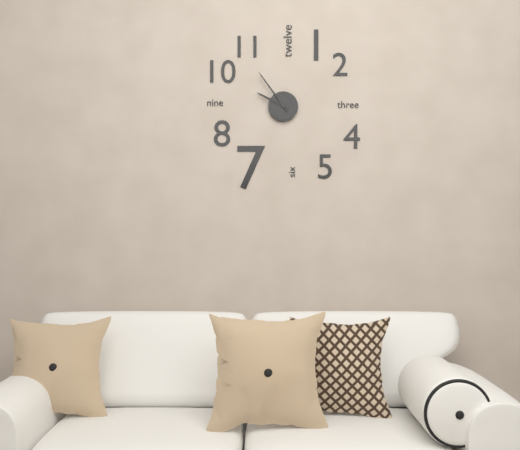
9:54
